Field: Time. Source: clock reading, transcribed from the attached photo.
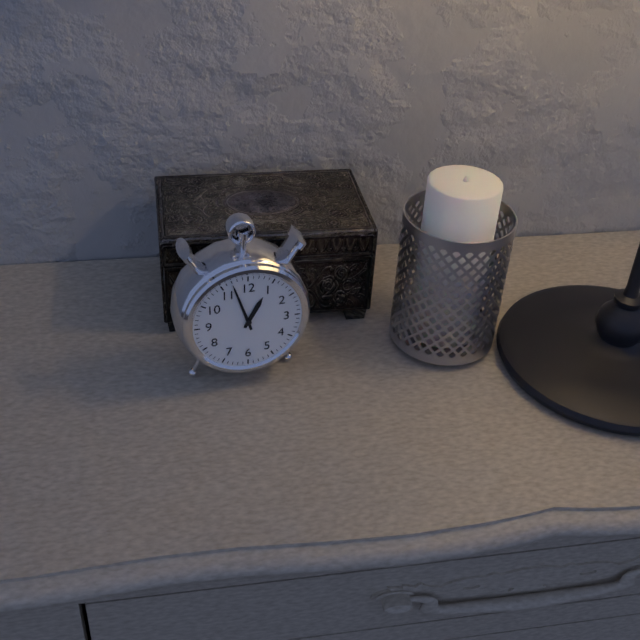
12:57
